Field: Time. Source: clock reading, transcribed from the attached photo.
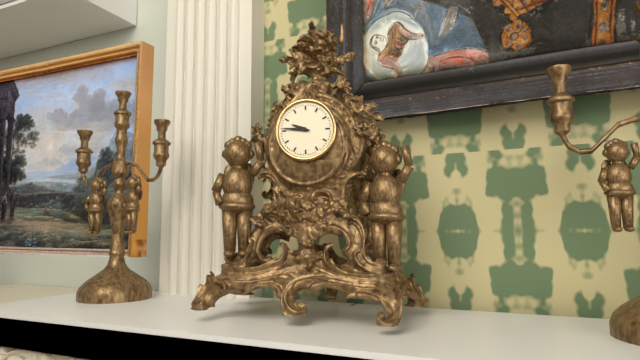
9:46
